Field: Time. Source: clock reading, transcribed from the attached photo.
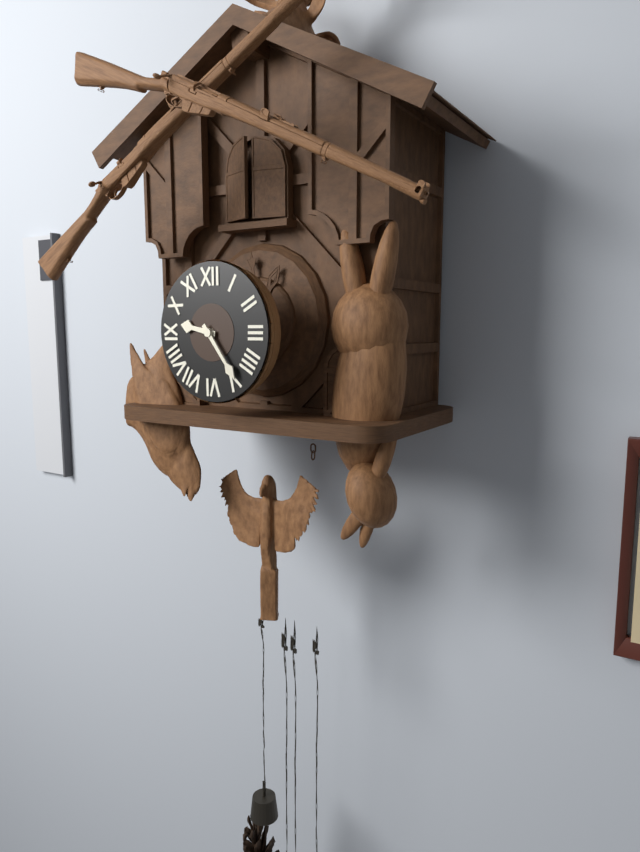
9:24
